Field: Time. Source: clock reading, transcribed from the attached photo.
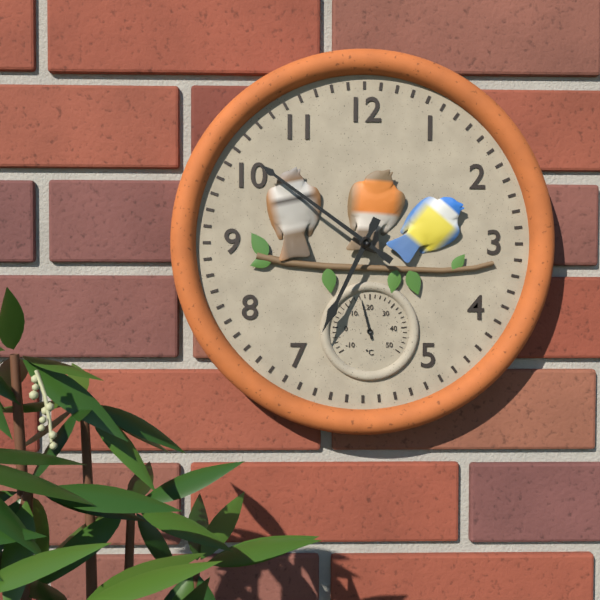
6:51
